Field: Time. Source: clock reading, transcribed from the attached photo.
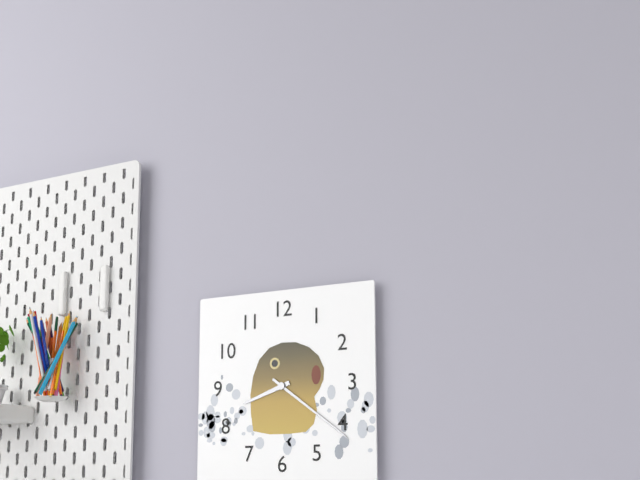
8:21
